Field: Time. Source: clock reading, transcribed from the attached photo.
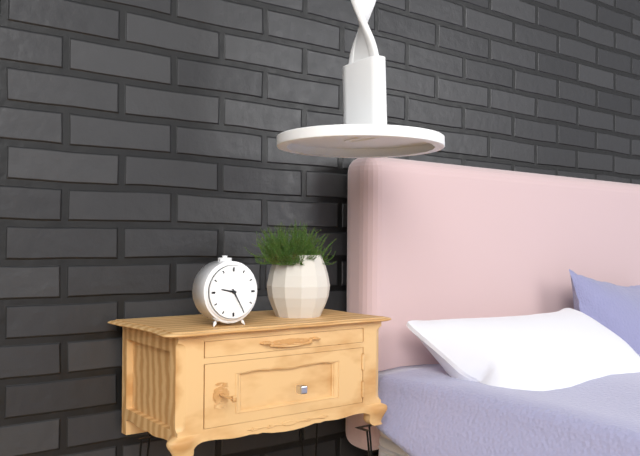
9:25
